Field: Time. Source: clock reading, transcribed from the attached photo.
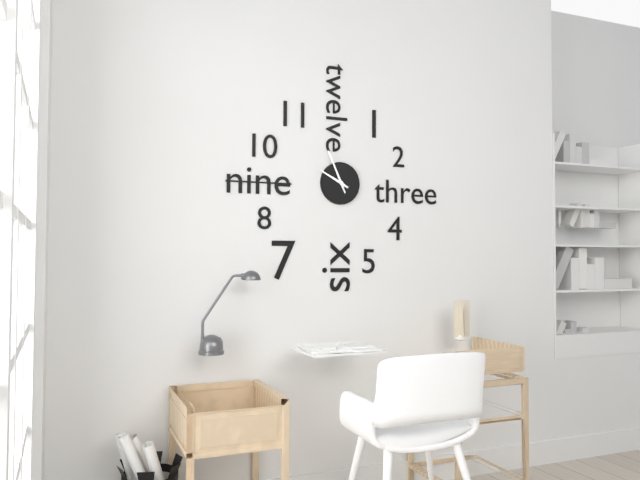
9:56
